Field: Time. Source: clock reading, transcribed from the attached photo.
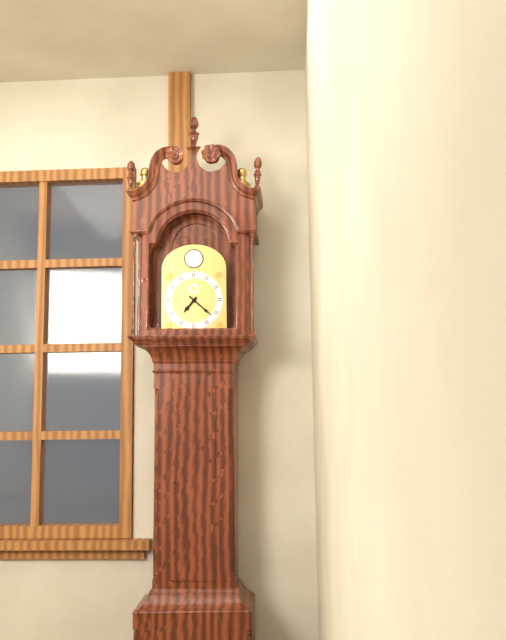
7:22
